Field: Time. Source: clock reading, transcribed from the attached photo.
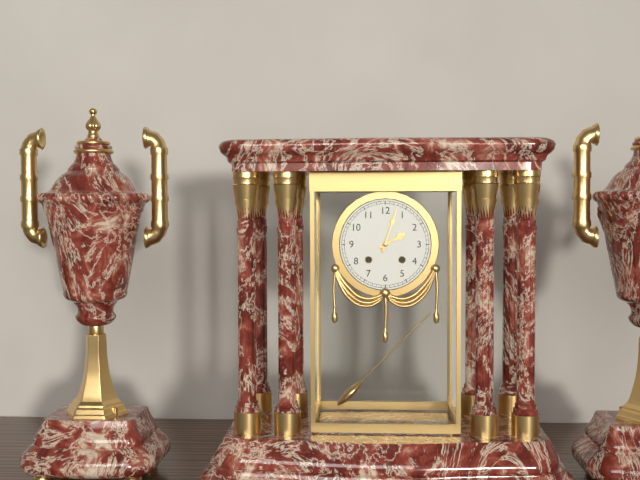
2:03
